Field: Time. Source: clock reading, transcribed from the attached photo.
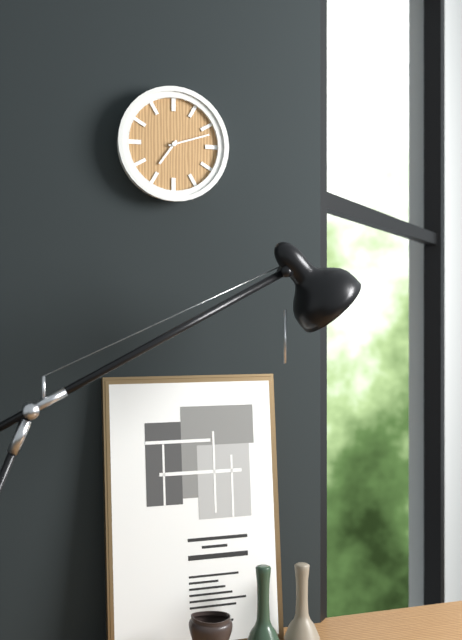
7:12
